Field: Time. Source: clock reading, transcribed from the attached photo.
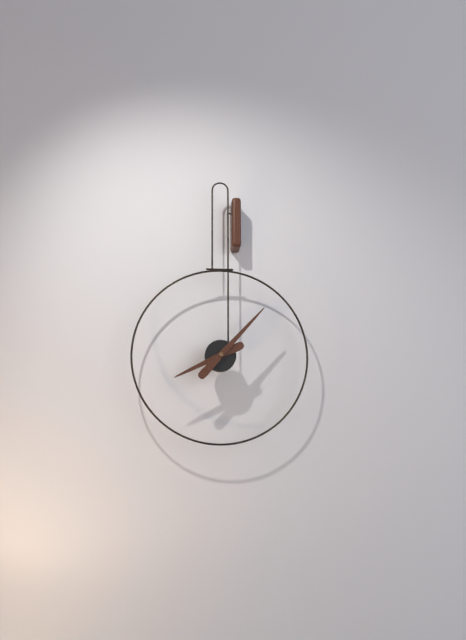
8:07
